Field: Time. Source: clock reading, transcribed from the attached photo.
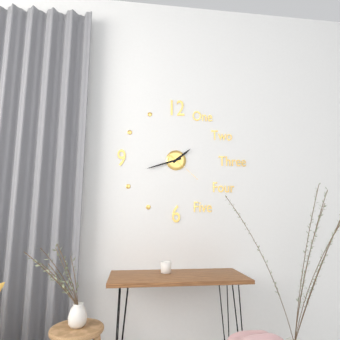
1:42
